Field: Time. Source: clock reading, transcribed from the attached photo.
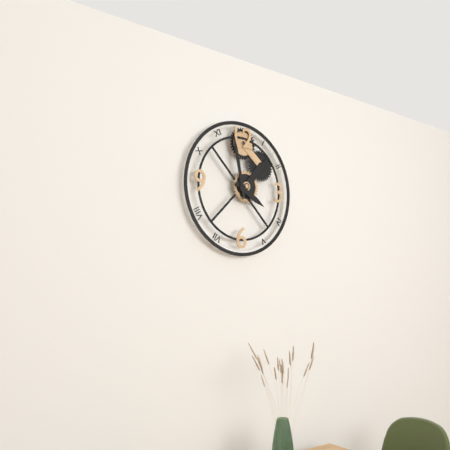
3:58
